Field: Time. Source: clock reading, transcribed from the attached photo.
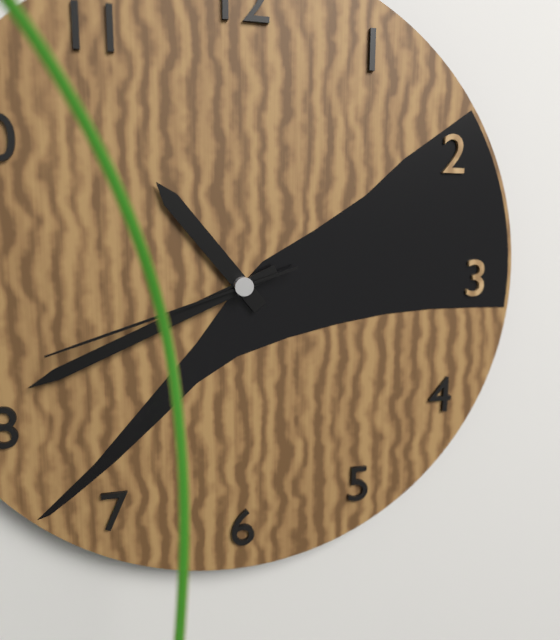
10:41:42
